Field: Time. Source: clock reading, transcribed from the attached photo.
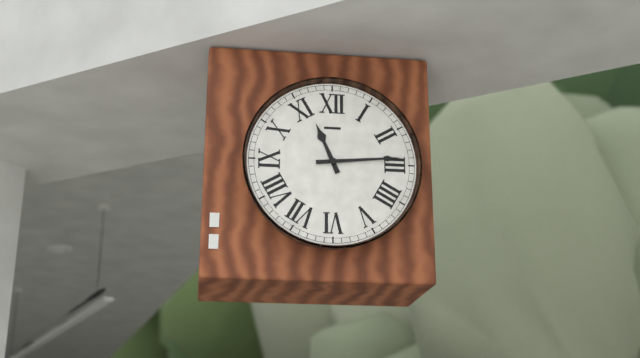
11:14
